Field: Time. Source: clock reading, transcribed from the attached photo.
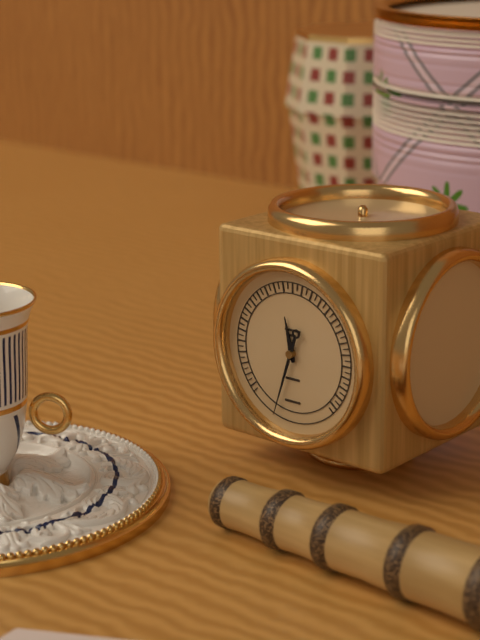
11:33
